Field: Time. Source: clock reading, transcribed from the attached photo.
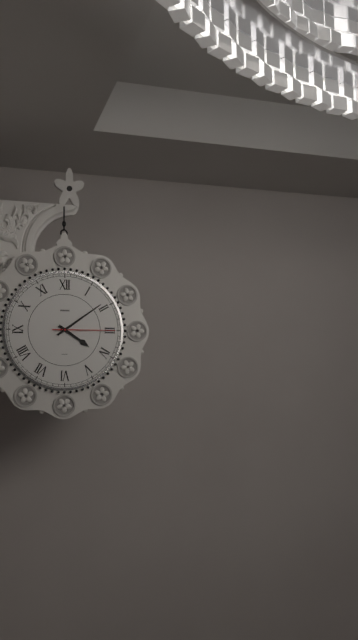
4:09:15
